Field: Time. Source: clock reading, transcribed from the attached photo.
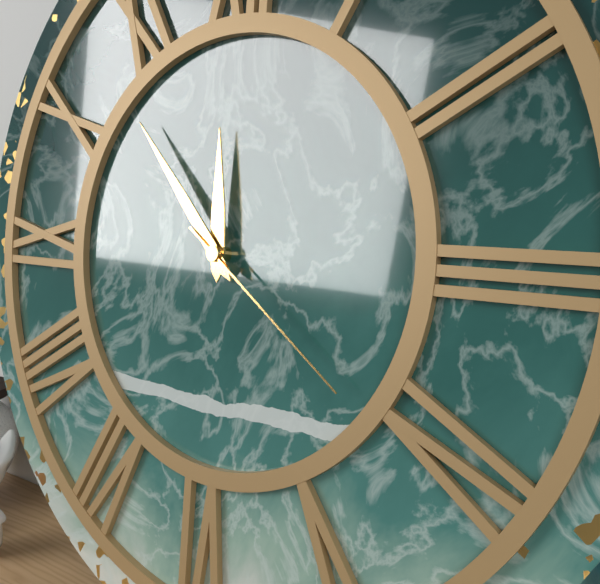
11:53:21
